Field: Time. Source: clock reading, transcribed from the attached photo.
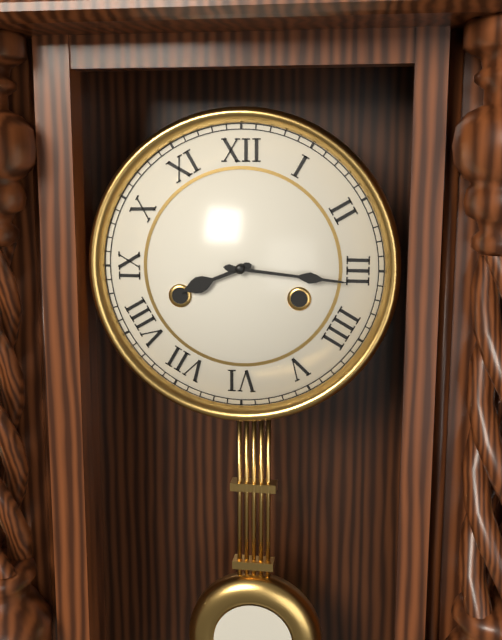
8:16
